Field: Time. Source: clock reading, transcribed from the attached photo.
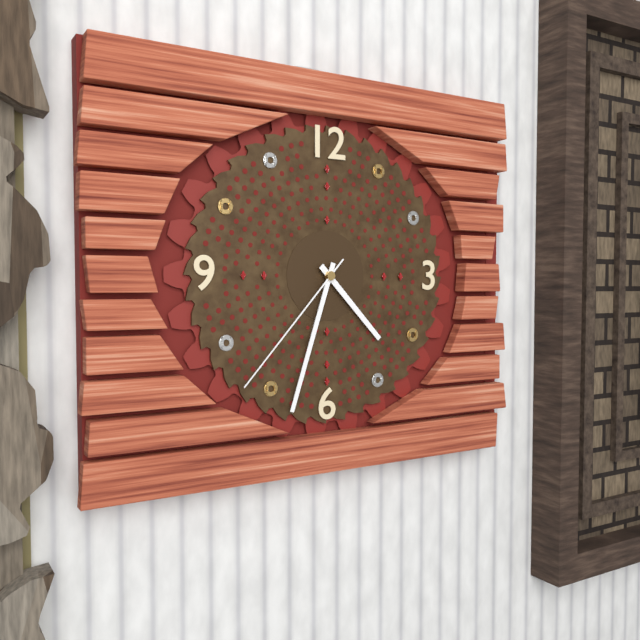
4:33:37
